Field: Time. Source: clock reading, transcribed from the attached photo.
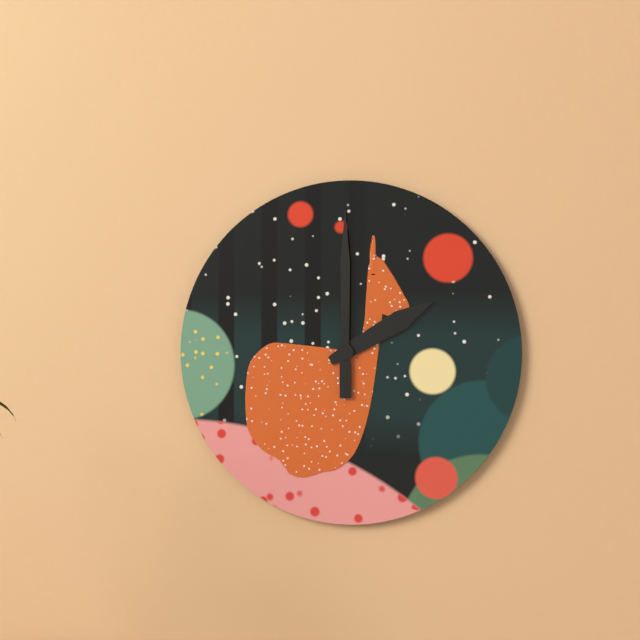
2:00
